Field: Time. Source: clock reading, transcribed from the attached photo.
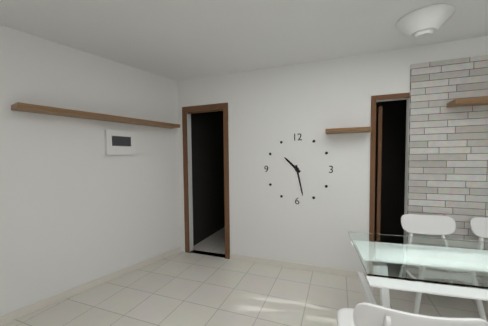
10:28
